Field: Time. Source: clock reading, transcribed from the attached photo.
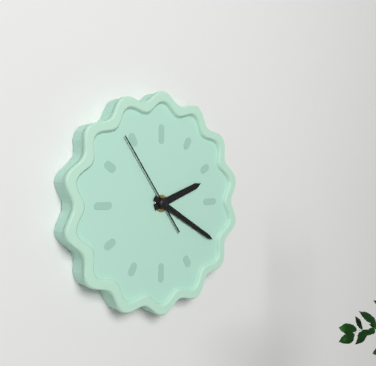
2:20:54
